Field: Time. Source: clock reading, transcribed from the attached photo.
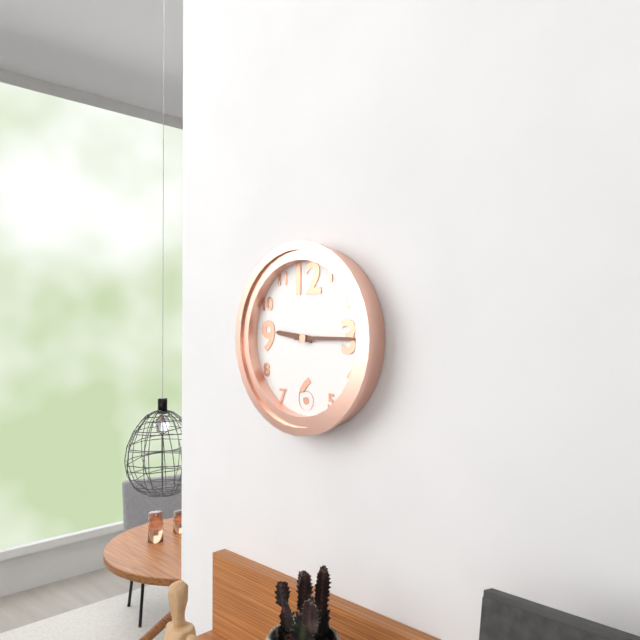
9:15
